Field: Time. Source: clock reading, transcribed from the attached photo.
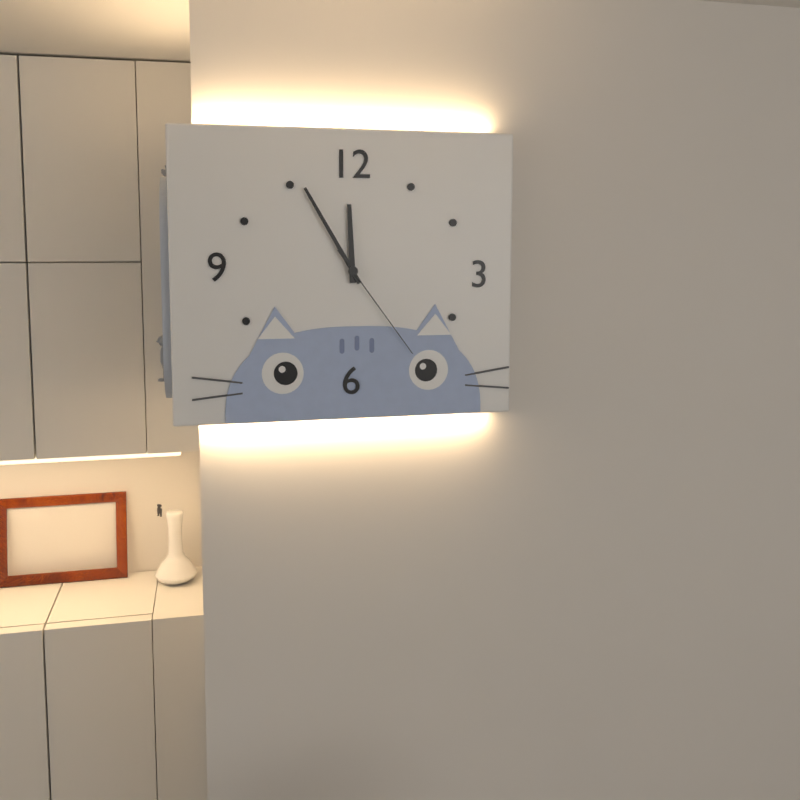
11:55:24
